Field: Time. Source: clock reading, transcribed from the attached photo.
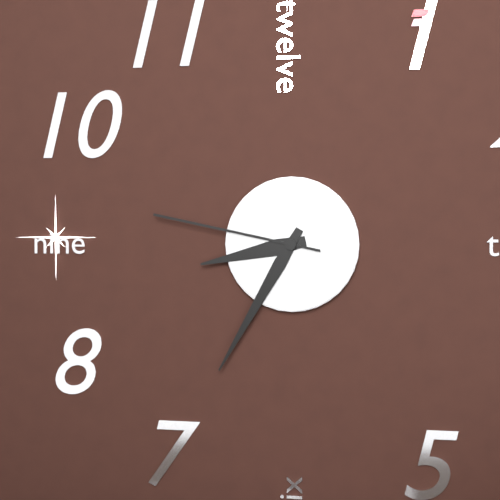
8:35:47
